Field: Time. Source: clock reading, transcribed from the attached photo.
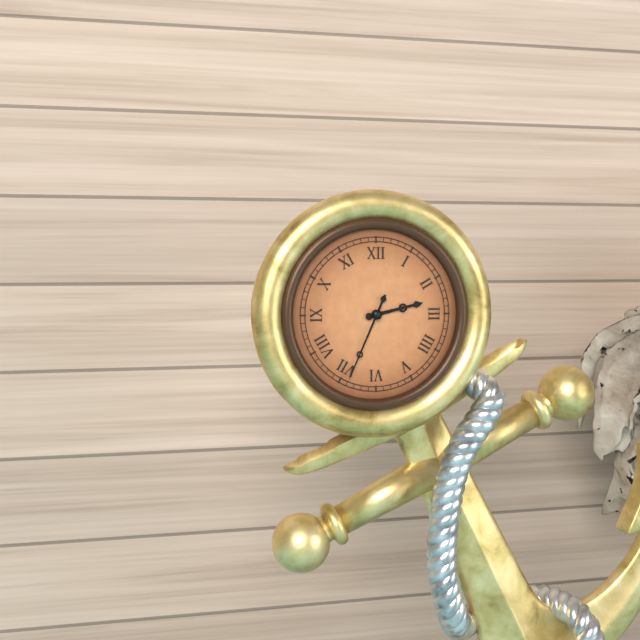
2:34
